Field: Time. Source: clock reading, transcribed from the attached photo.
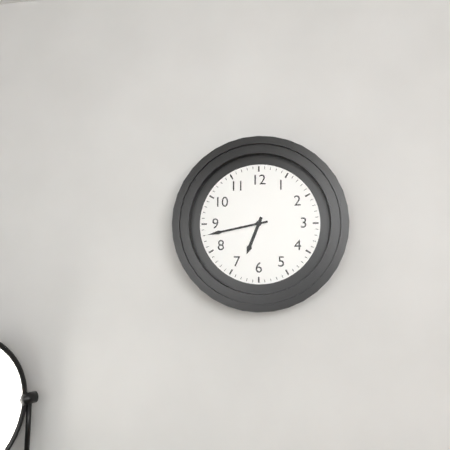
6:43
